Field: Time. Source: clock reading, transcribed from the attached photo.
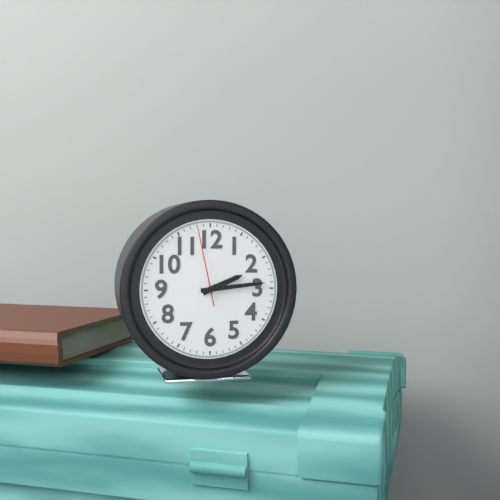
2:14:58
